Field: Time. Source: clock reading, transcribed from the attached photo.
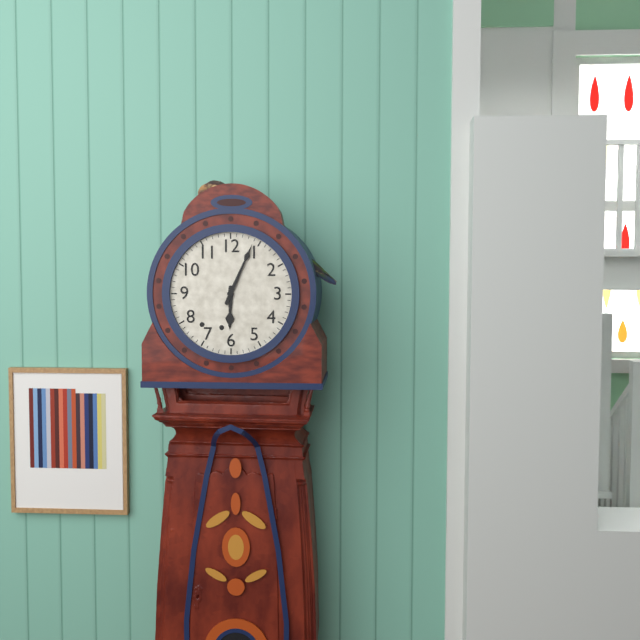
6:04
